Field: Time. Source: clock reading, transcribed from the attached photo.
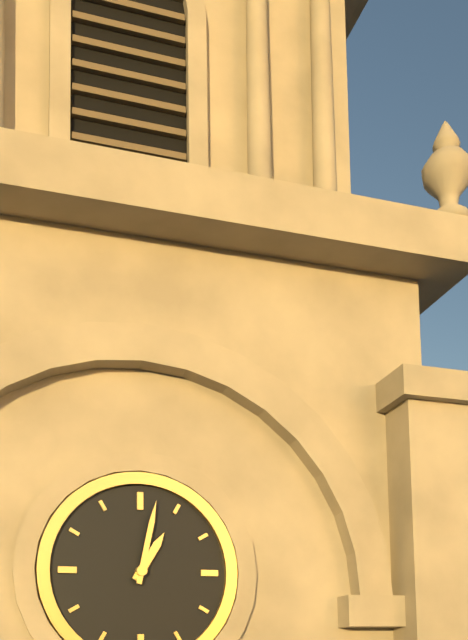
1:02
